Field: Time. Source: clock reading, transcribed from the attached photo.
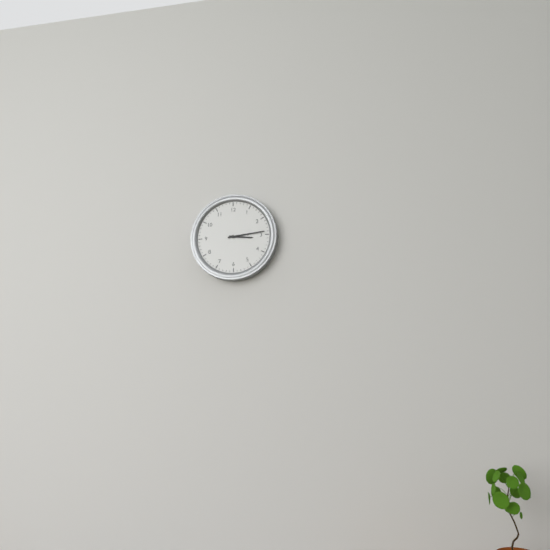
3:14
